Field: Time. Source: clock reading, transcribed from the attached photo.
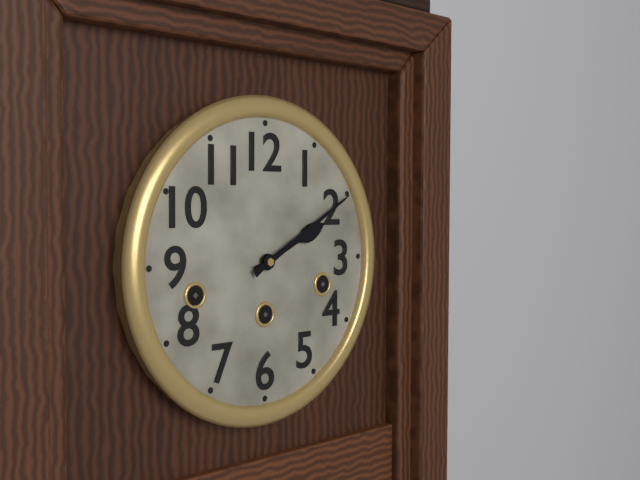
2:10
